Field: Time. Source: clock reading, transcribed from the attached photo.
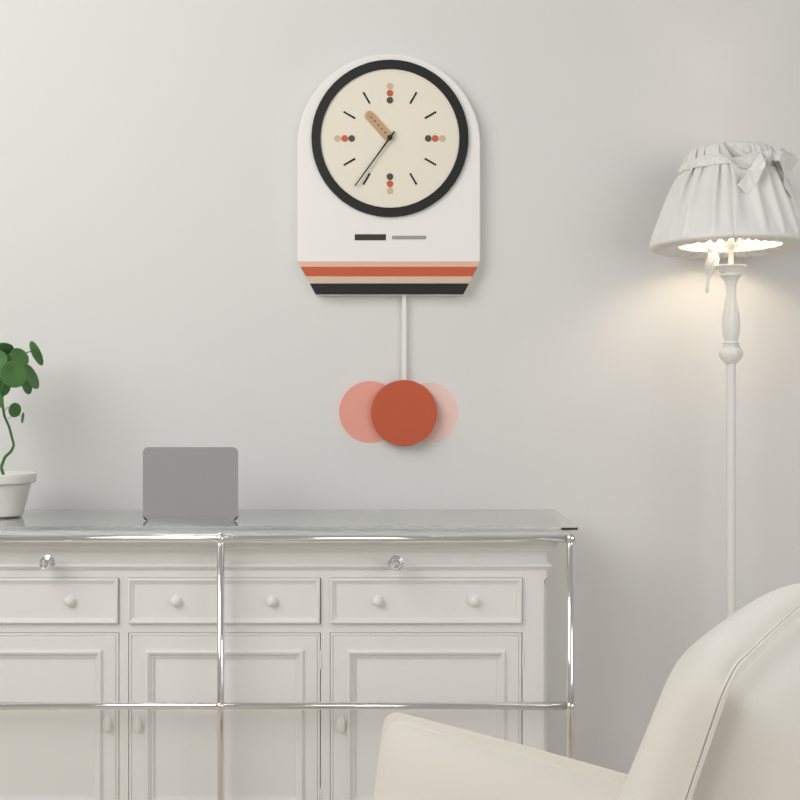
10:36
